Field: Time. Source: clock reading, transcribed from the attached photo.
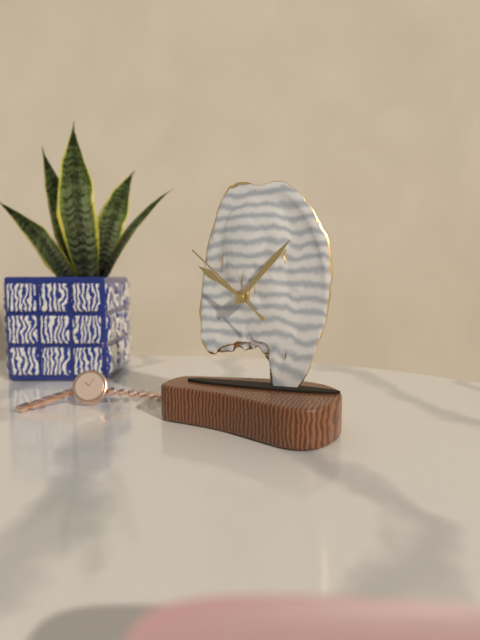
10:07:52
